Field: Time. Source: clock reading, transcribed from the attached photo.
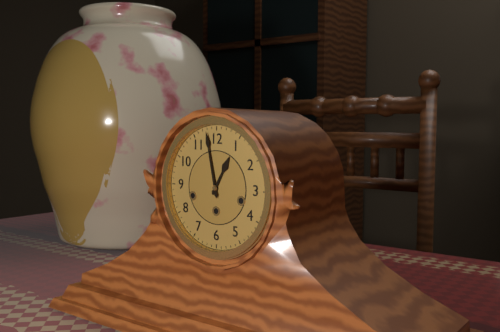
12:58
